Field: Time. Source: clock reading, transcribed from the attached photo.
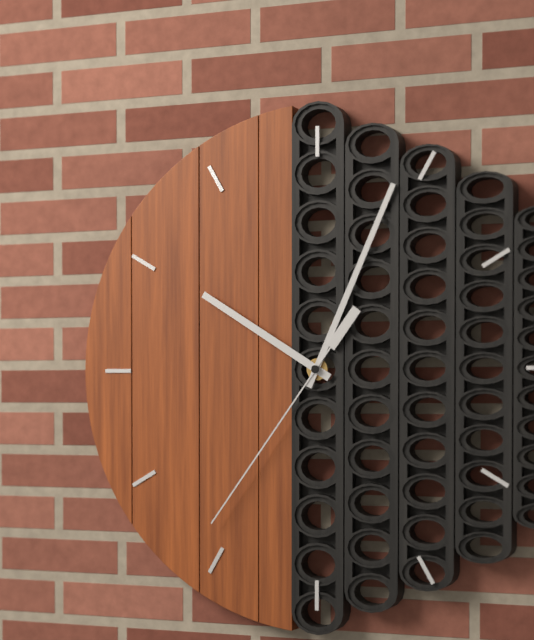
10:04:36
